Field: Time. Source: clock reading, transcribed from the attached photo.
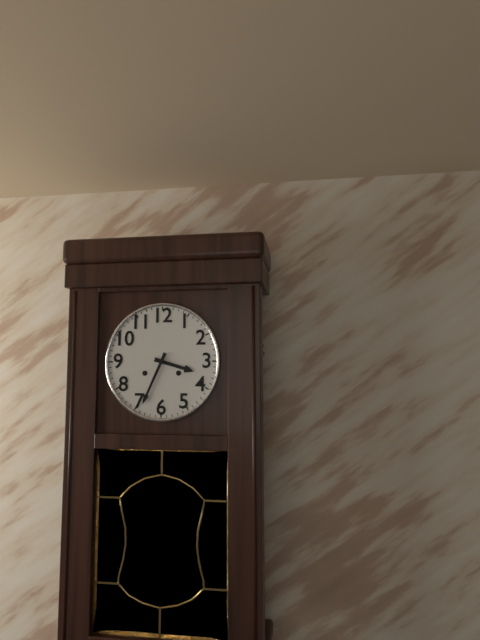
3:34
